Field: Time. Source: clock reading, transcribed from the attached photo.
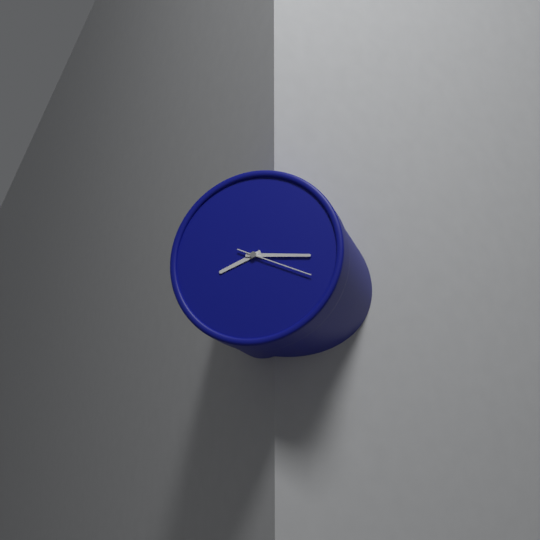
8:16:19
